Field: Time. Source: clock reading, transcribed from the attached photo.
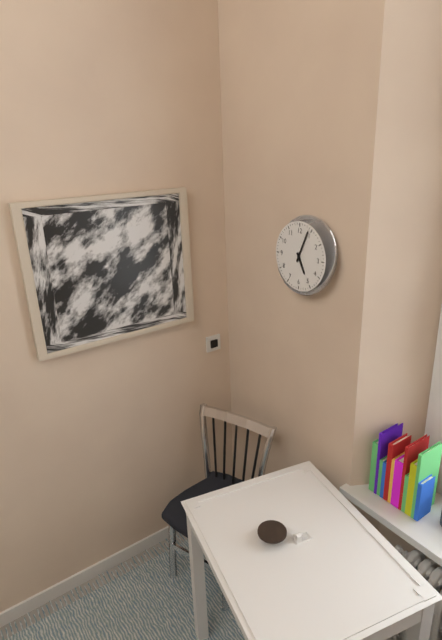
5:04
